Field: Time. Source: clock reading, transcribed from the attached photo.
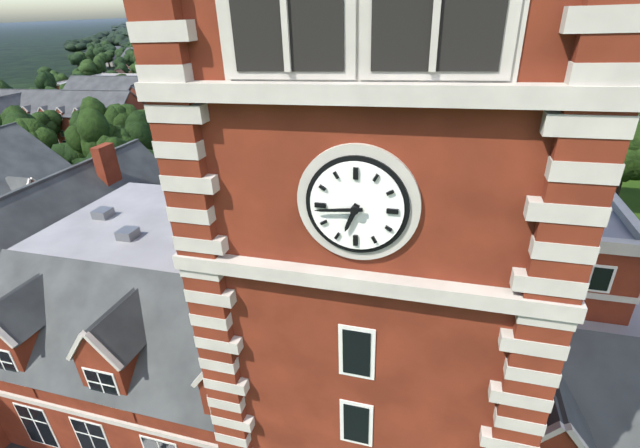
6:44
